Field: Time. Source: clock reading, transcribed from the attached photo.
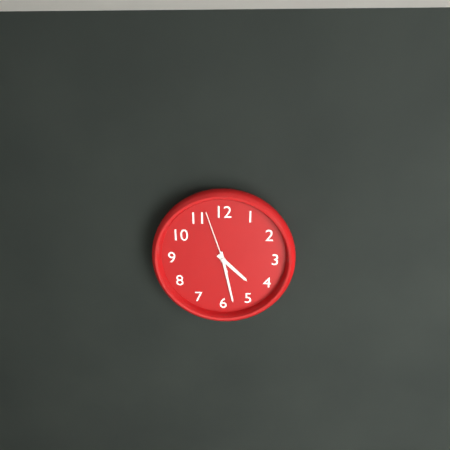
4:28:57
